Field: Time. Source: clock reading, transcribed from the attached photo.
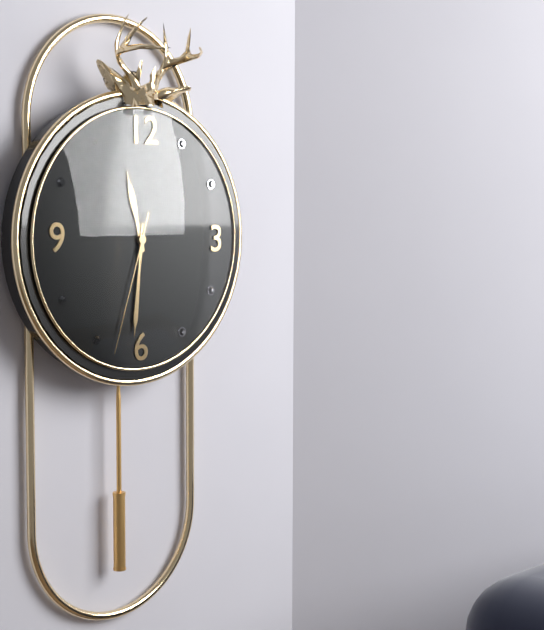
11:31:33
